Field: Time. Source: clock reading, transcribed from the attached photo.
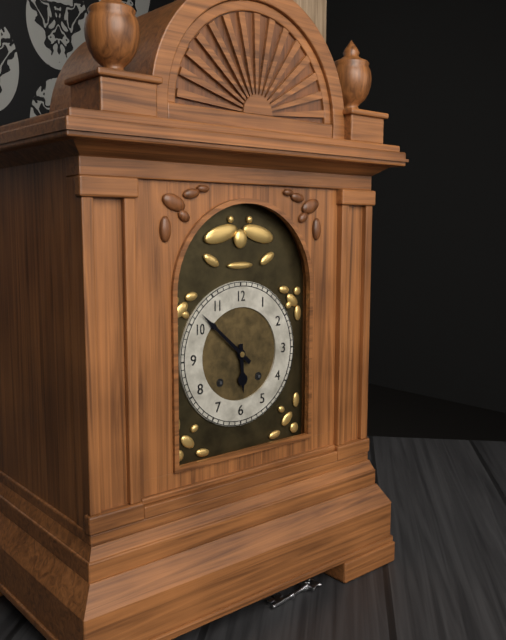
5:52
